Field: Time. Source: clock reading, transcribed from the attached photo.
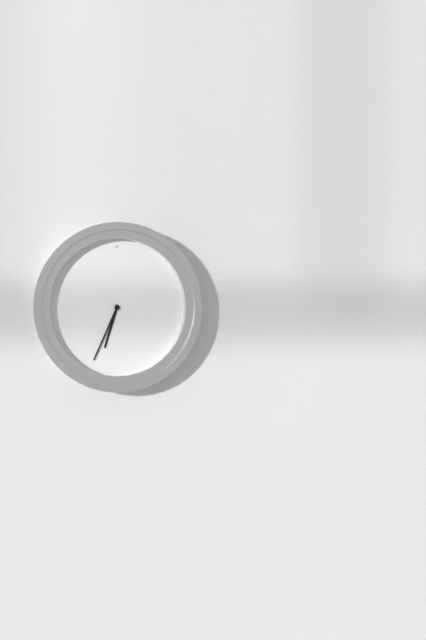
6:34
